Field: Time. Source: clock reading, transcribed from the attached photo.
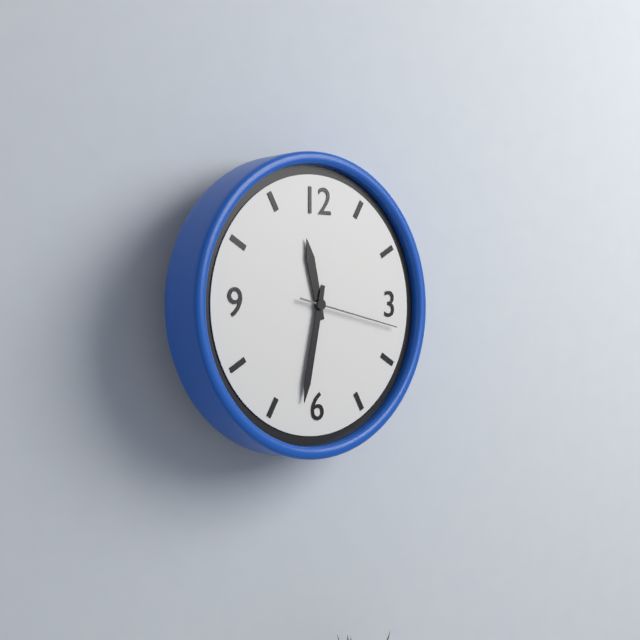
11:32:17
